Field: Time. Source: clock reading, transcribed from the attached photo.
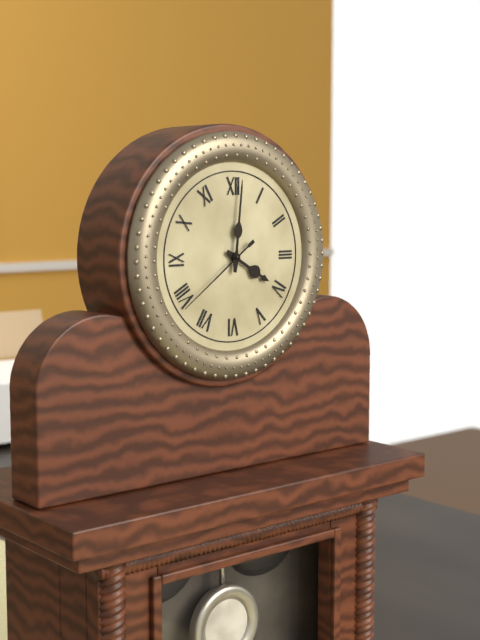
4:01:39
